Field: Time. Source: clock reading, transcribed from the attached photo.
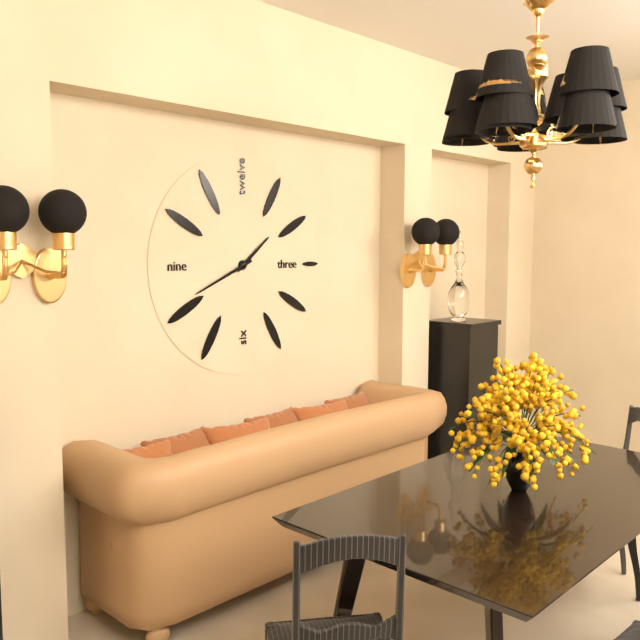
1:41
